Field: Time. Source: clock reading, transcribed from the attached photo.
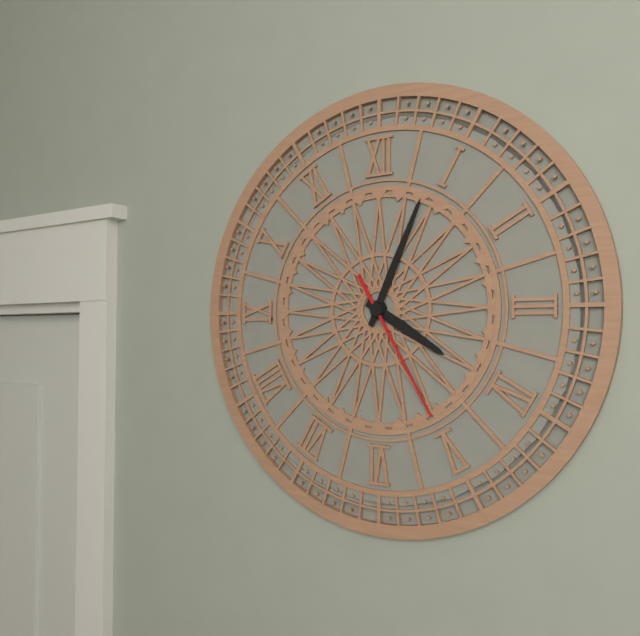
4:04:25
